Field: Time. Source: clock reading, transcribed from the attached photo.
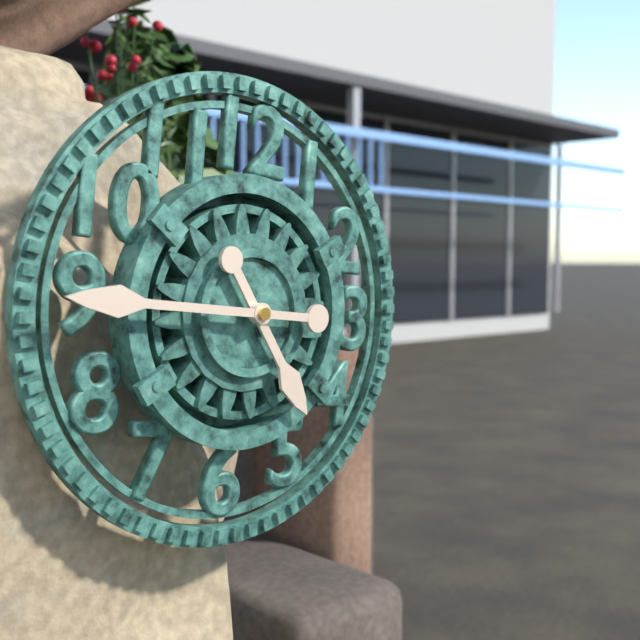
4:45
